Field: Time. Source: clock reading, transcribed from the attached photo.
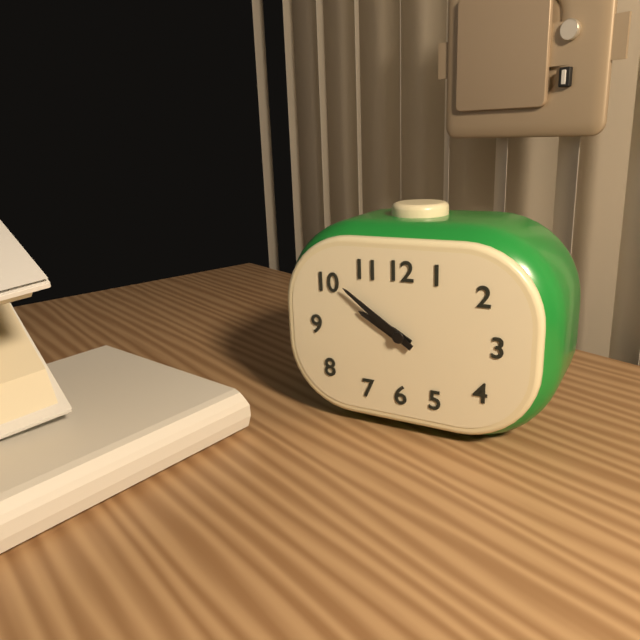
9:51
